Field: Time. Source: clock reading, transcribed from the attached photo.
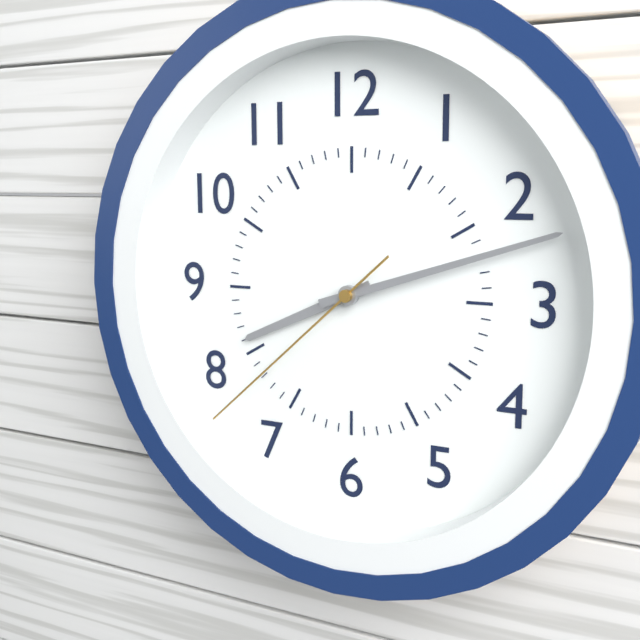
8:12:38
